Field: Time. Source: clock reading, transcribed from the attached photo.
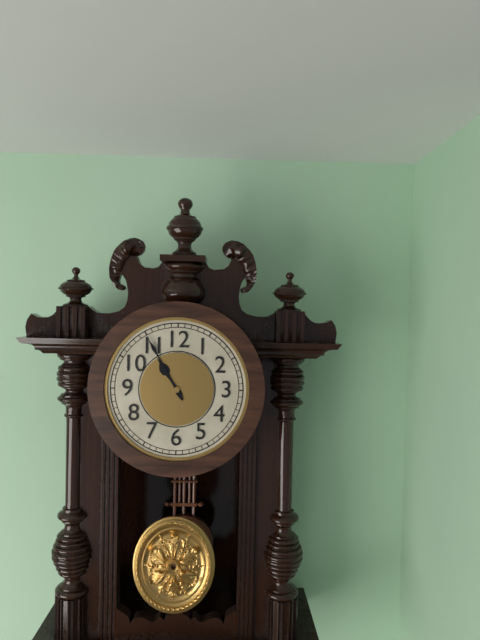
10:55
